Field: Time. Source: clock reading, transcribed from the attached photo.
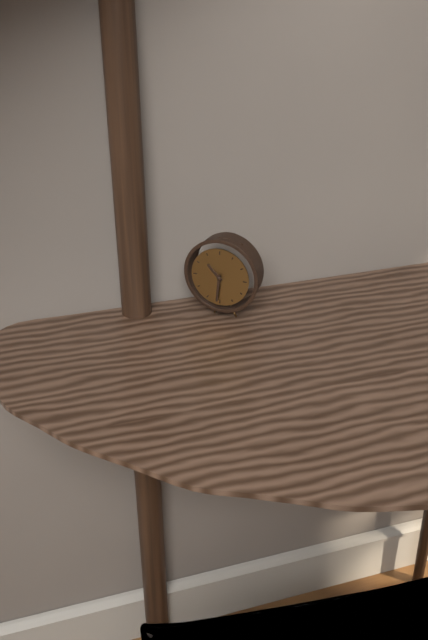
10:31
